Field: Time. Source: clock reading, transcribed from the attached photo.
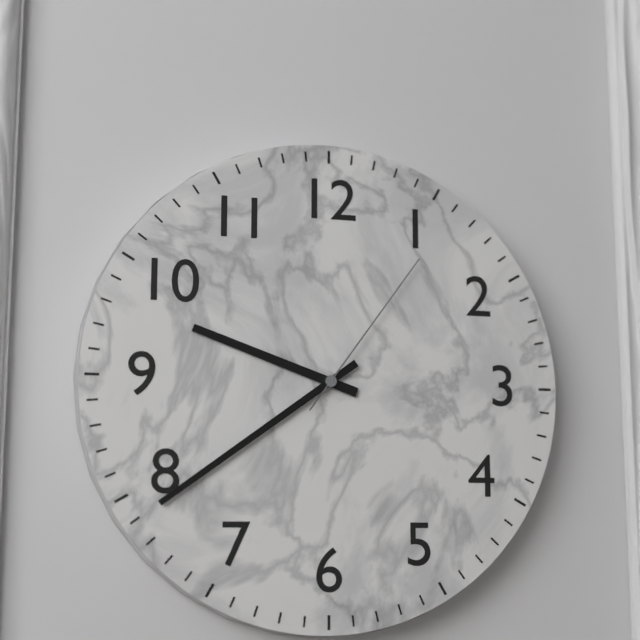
9:39:06
